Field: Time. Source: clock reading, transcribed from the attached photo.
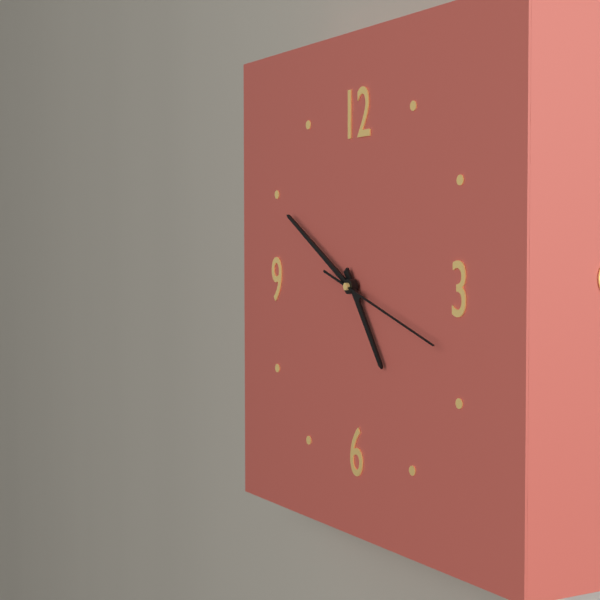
4:50:18
